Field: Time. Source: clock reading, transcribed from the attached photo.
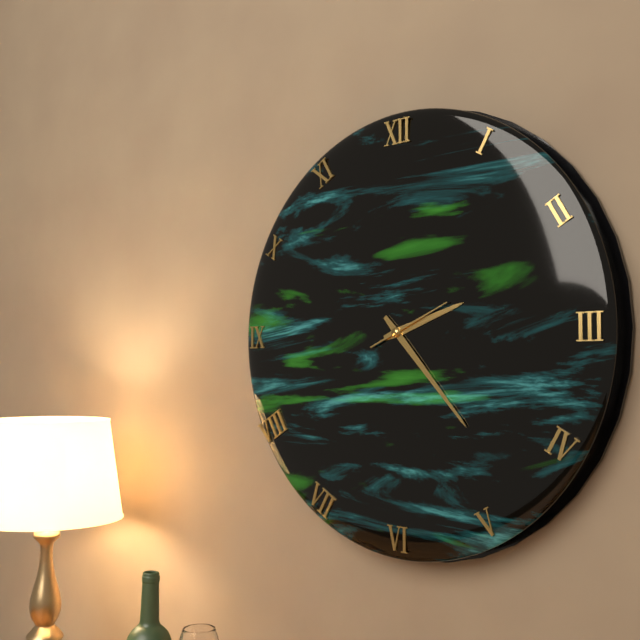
2:23:11
